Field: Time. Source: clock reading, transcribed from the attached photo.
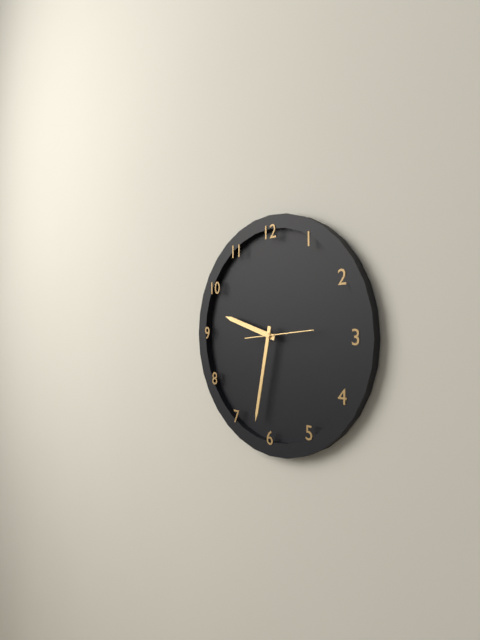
9:32:14
